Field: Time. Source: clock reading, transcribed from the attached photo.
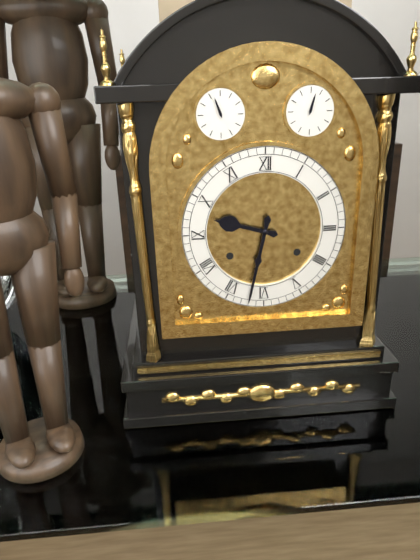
9:32
